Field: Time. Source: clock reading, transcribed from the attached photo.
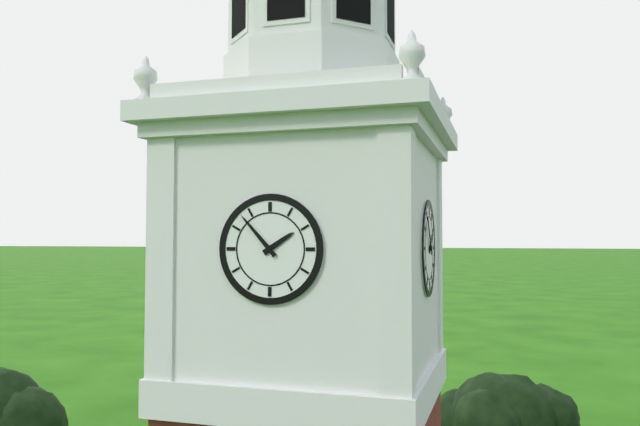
1:53
